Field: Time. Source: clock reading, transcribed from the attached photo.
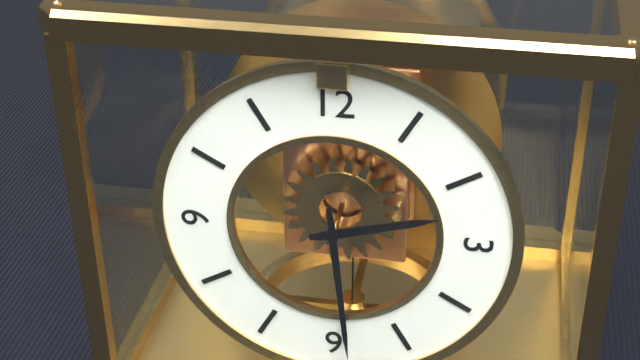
2:29
